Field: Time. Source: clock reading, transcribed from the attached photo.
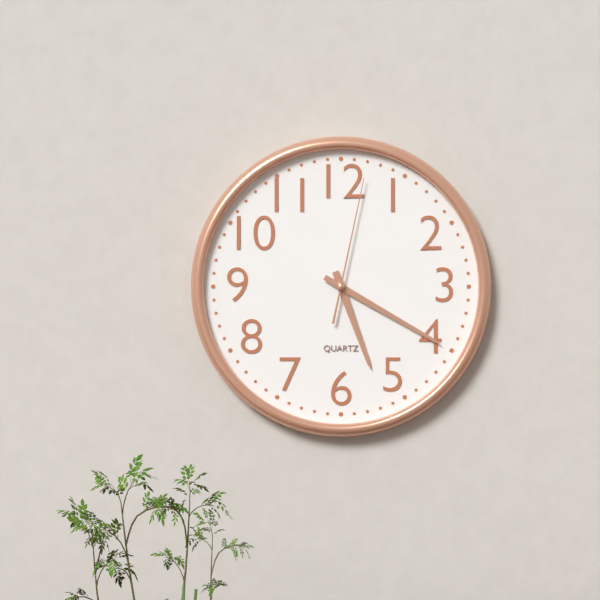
5:20:02
